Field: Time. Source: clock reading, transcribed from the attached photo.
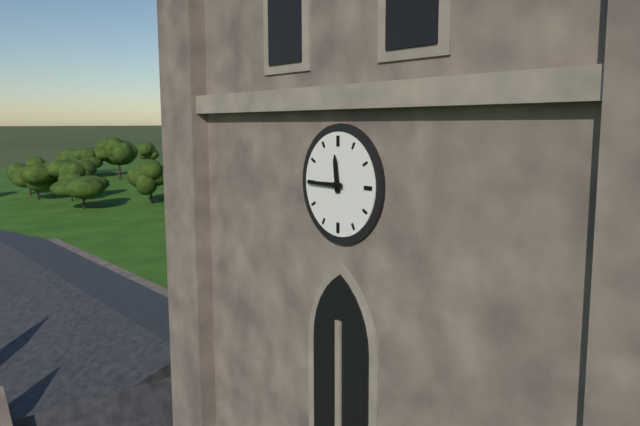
11:45
